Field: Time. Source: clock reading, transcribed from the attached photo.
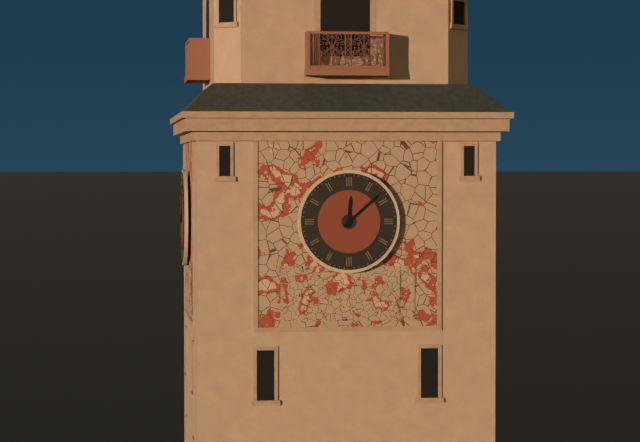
12:08
